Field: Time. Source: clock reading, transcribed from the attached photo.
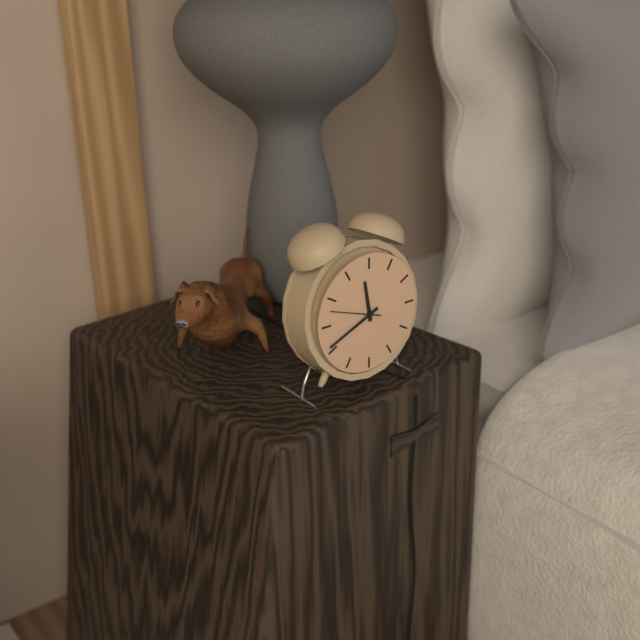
11:41
